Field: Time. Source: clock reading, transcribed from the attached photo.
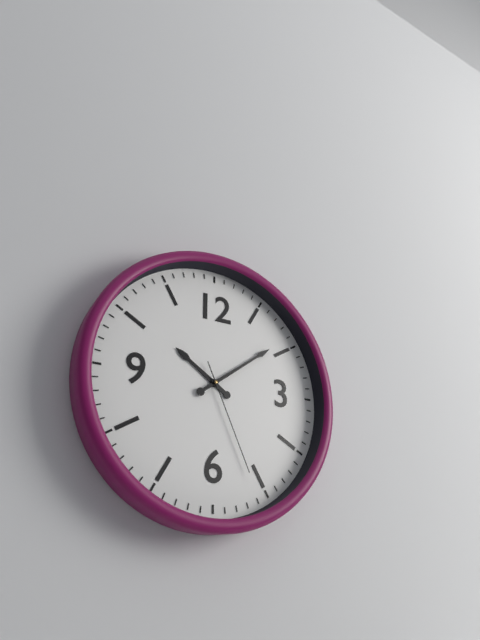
10:09:26
